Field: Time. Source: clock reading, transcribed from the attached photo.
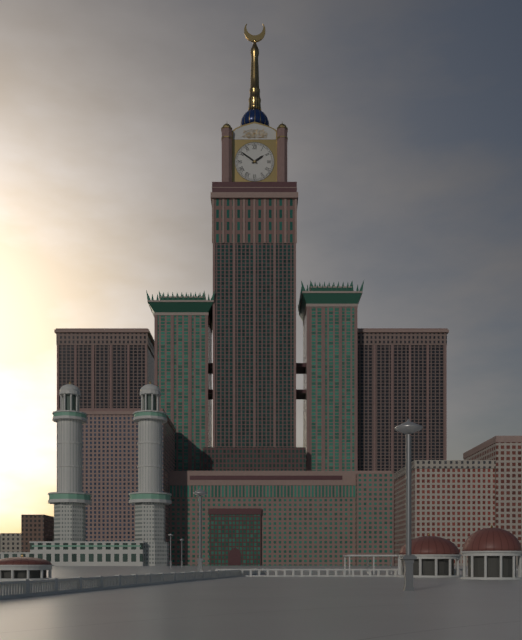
1:51
